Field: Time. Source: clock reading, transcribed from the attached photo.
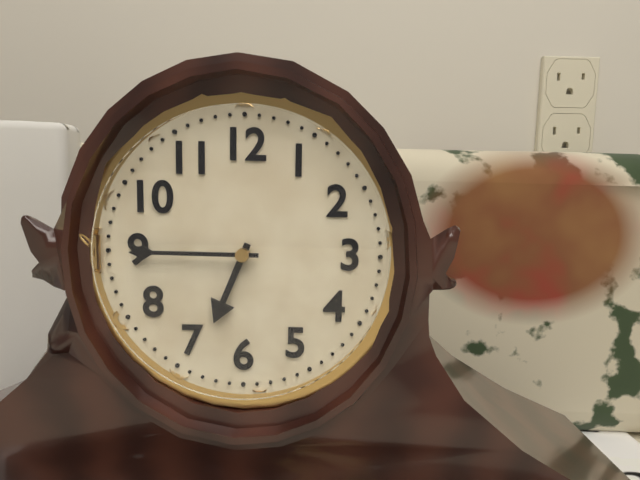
6:45
